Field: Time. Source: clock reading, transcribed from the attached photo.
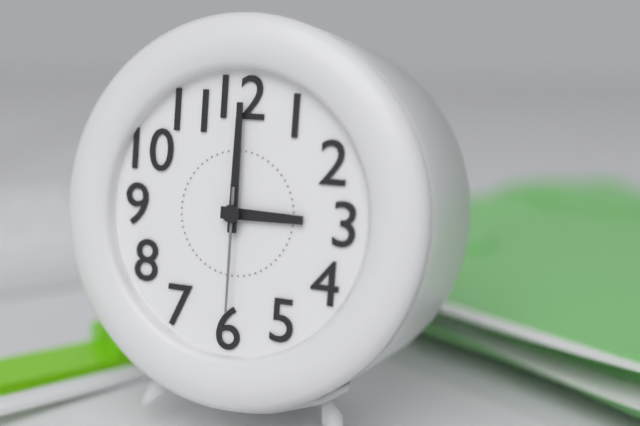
3:00:30
